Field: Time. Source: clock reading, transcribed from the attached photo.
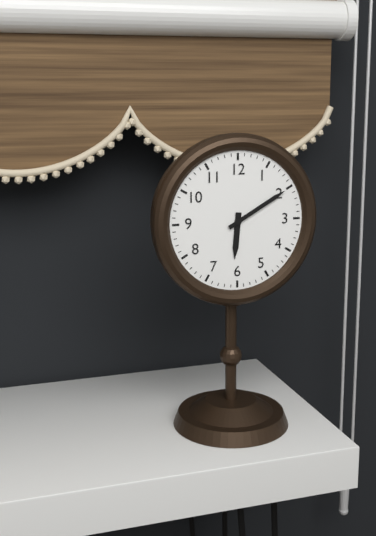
6:10
